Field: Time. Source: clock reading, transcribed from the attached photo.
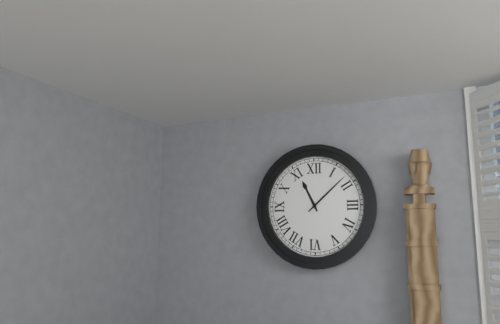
11:08
